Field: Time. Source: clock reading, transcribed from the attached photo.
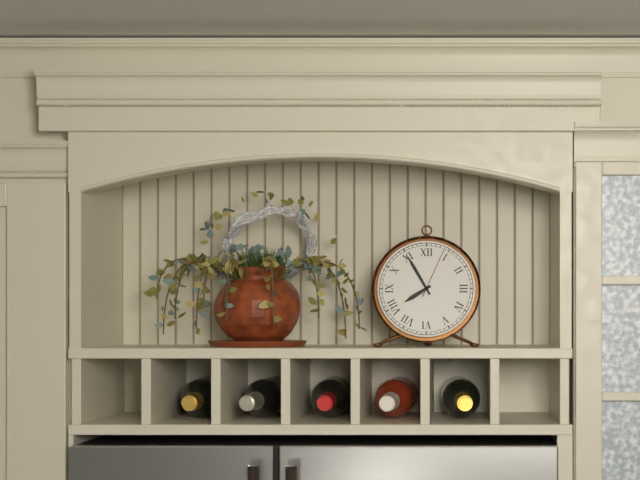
7:55:04
